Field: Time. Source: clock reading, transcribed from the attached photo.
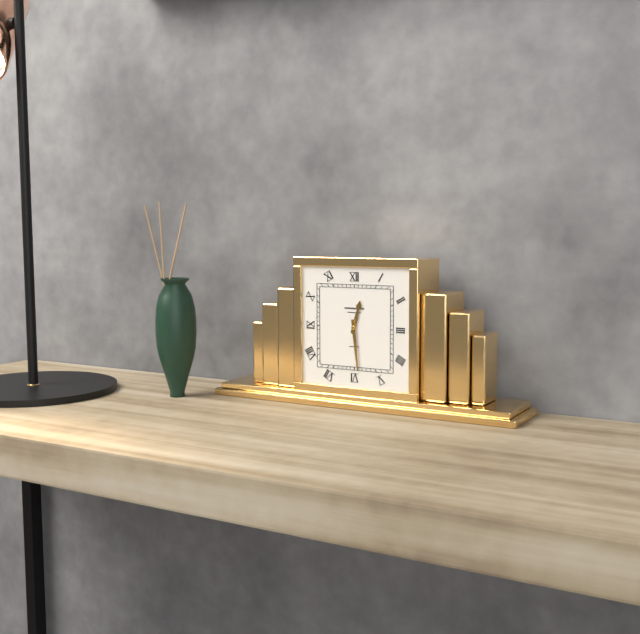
12:29
